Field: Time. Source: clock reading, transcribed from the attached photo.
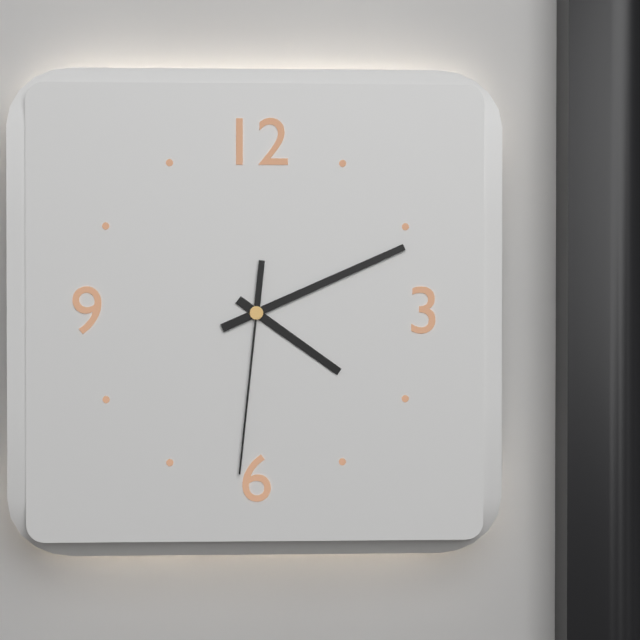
4:11:31
